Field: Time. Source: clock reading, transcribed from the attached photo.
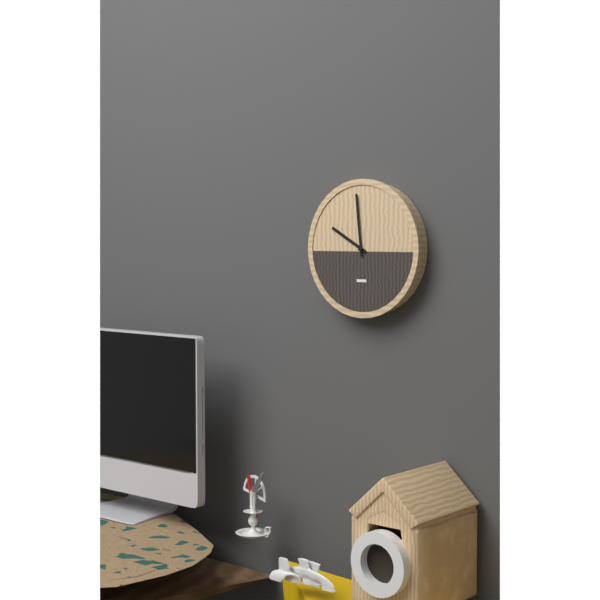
9:59
